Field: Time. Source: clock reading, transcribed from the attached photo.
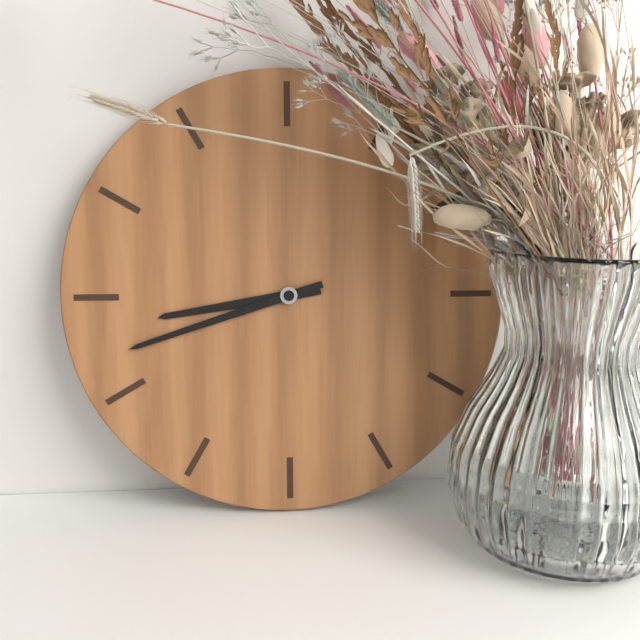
8:42
